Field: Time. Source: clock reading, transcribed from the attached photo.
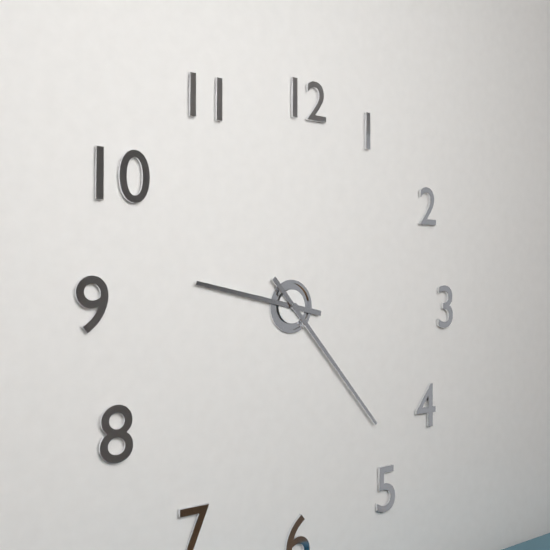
9:23
